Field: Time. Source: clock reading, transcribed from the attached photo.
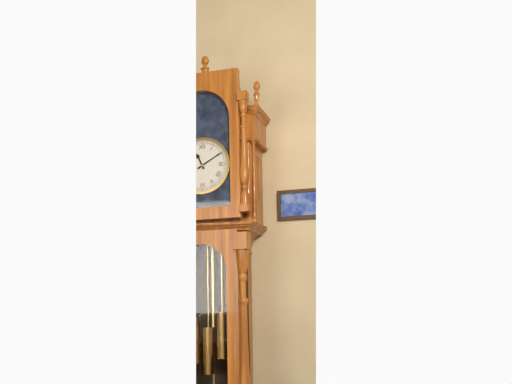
11:10
